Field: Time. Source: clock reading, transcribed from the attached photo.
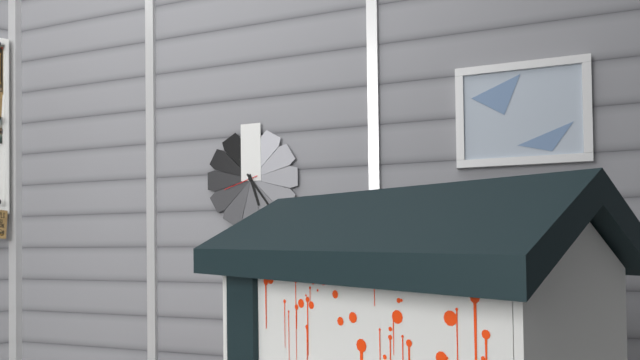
5:24
